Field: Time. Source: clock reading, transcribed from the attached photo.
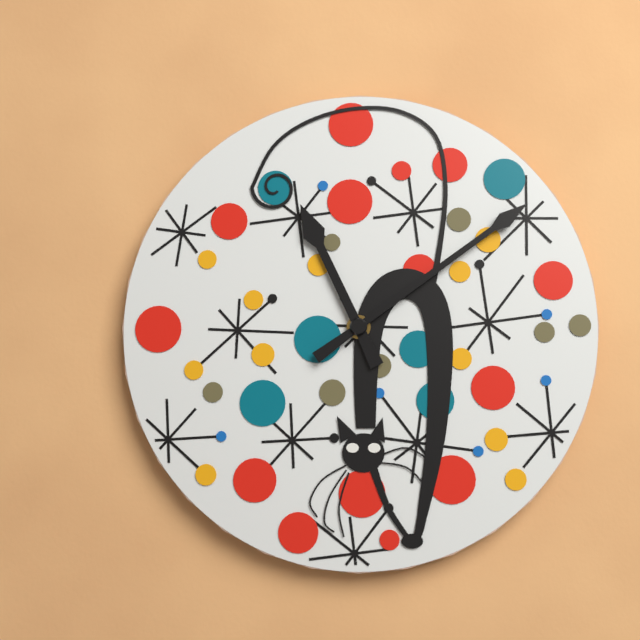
11:09
